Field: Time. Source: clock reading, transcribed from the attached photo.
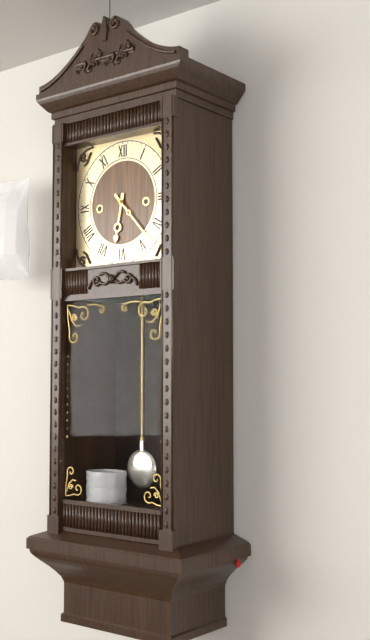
6:23
